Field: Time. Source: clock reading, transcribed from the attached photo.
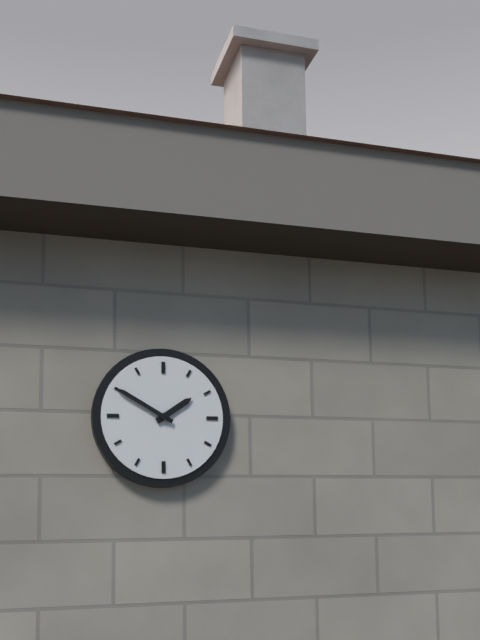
1:50
